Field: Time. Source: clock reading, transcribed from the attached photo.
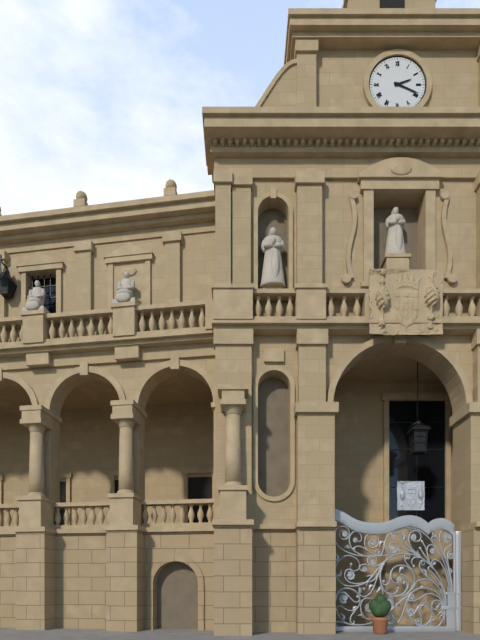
2:19
